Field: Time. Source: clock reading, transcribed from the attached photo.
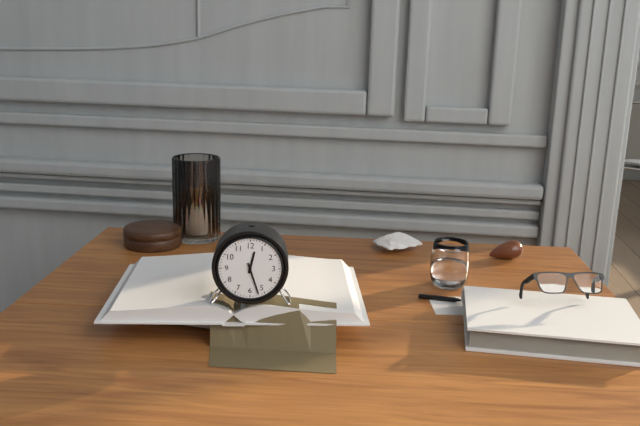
12:27
